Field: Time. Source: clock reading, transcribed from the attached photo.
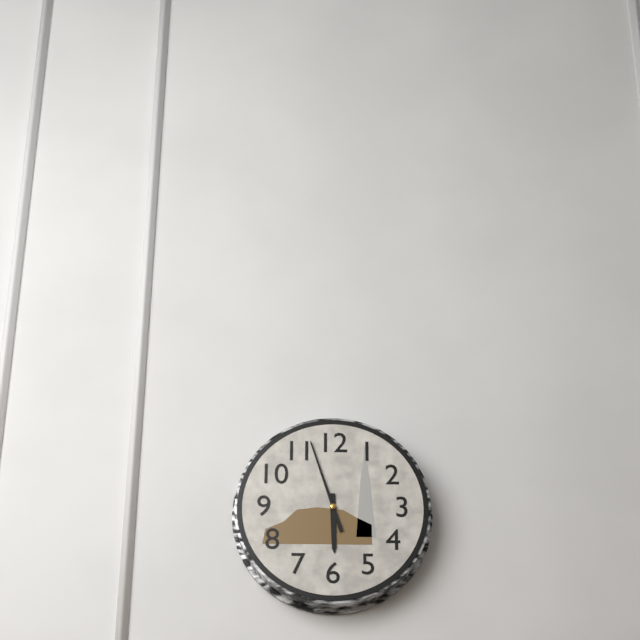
5:57
